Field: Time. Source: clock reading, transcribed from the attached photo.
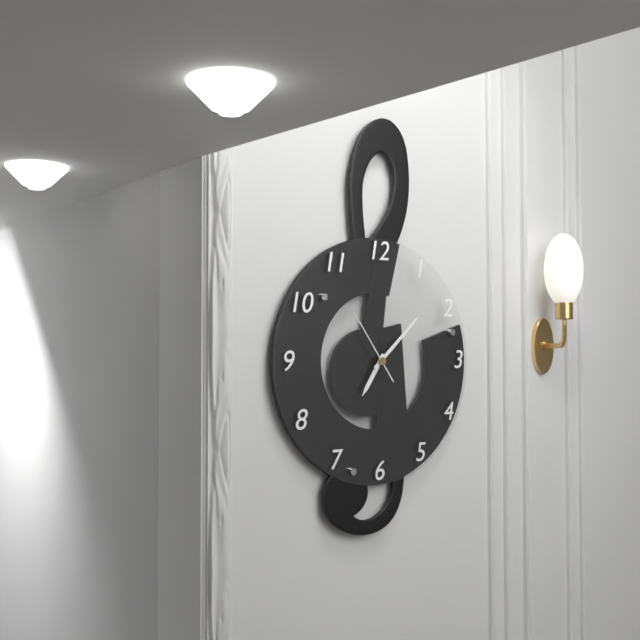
7:08:54
